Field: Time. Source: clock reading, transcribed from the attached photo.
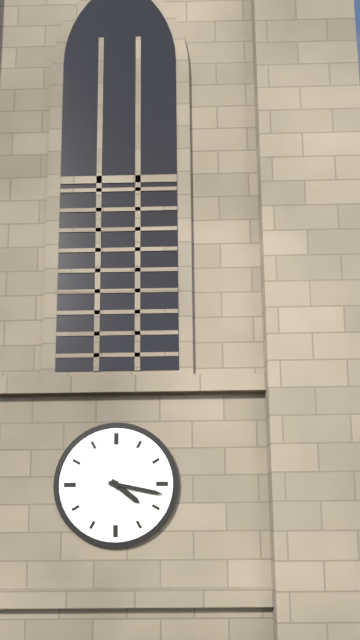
4:17
